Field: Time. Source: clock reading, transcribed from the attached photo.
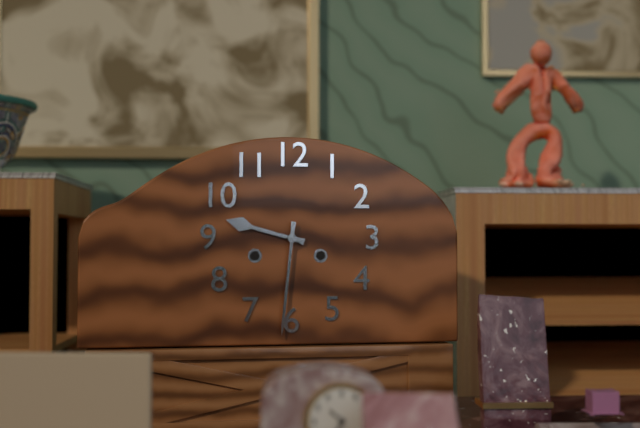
9:31
